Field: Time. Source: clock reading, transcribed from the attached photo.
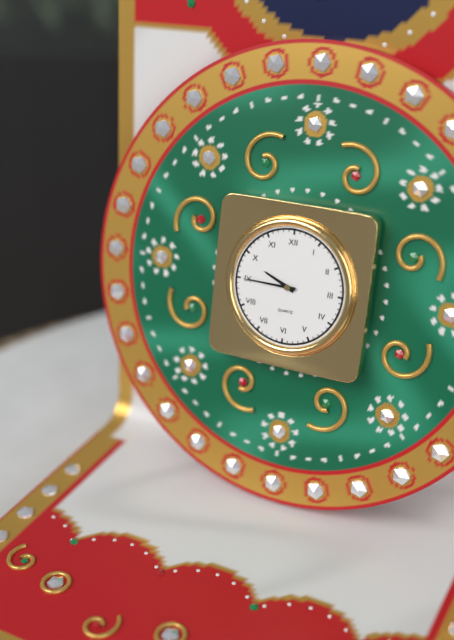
9:45
